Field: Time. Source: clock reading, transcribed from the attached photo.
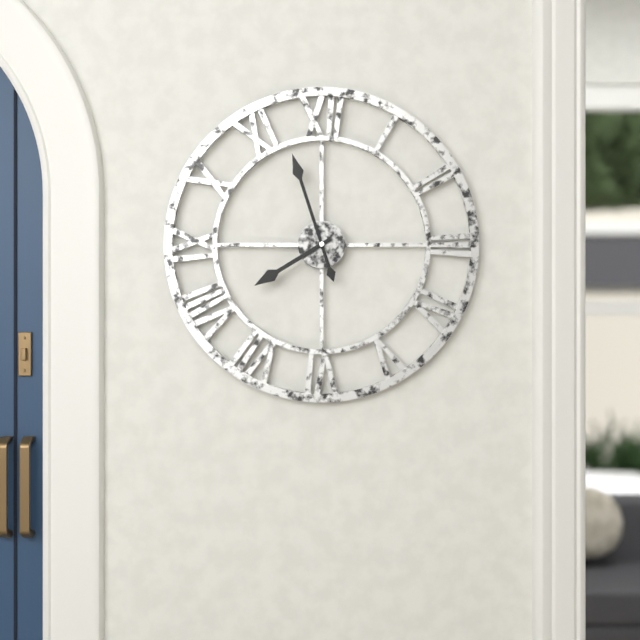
7:57
